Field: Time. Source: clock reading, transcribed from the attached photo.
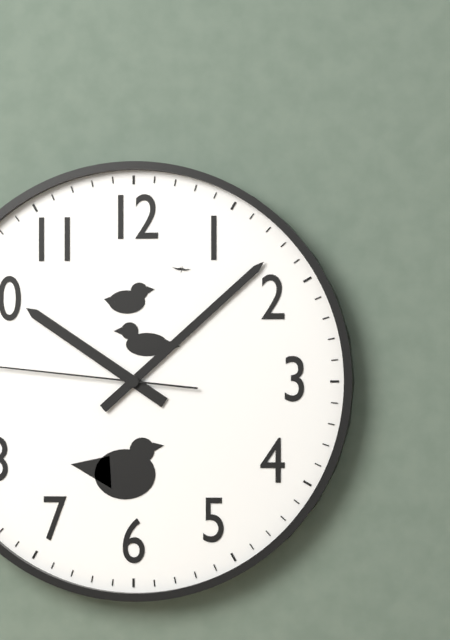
10:08
